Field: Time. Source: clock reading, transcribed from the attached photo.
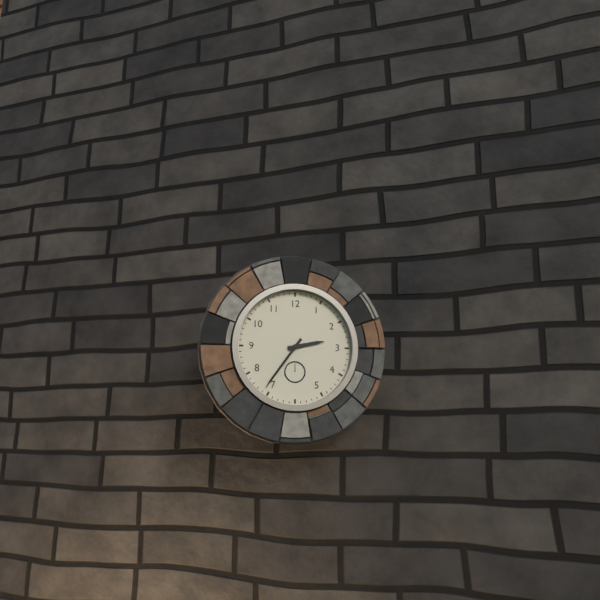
2:36
